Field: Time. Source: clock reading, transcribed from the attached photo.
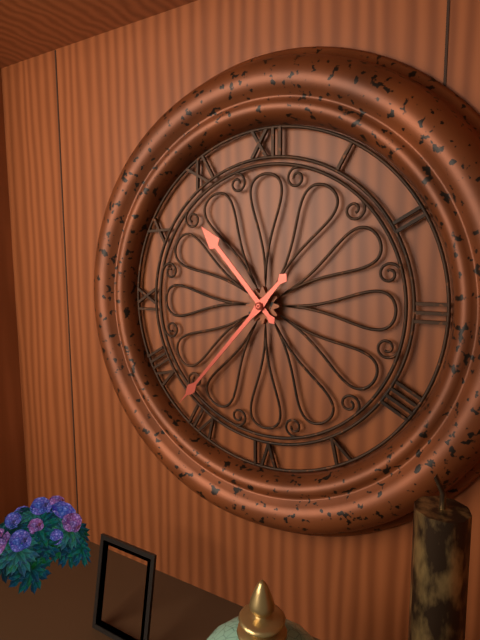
10:37
